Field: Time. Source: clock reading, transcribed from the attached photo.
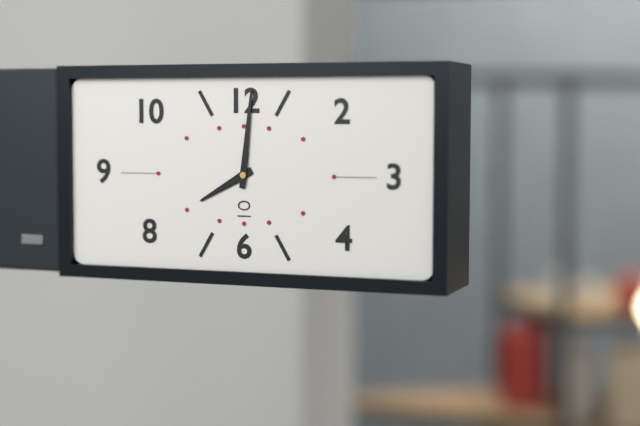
8:01
